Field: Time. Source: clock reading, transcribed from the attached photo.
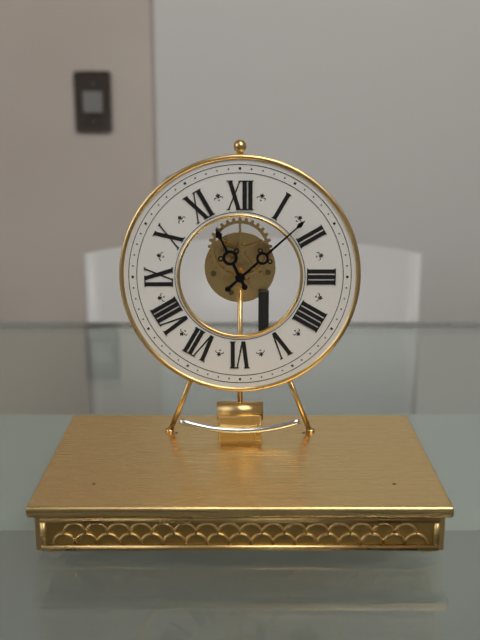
11:08
